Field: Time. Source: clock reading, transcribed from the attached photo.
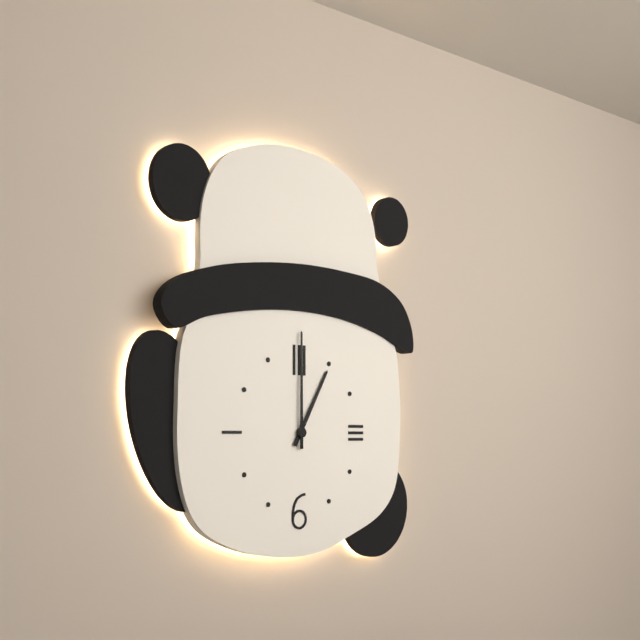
1:00
